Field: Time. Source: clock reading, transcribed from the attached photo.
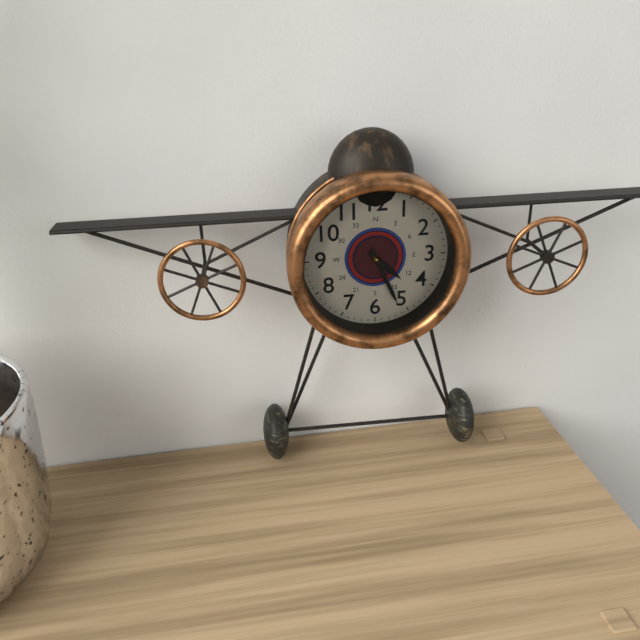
4:26
